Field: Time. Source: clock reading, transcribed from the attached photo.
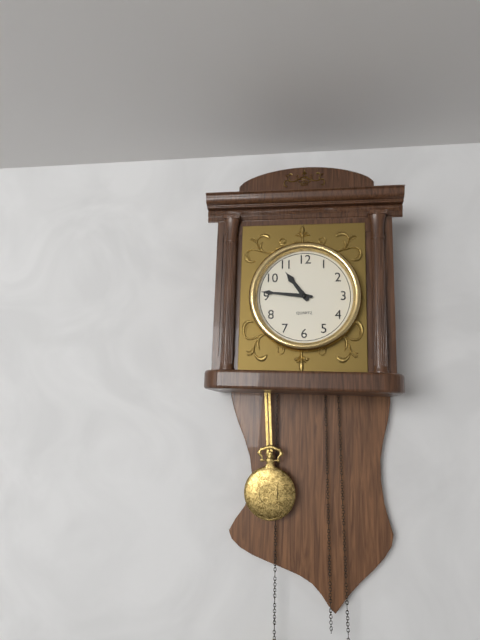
10:46
